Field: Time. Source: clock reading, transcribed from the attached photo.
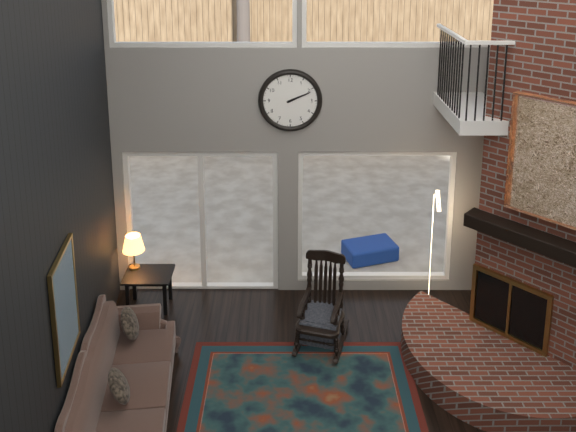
2:11
